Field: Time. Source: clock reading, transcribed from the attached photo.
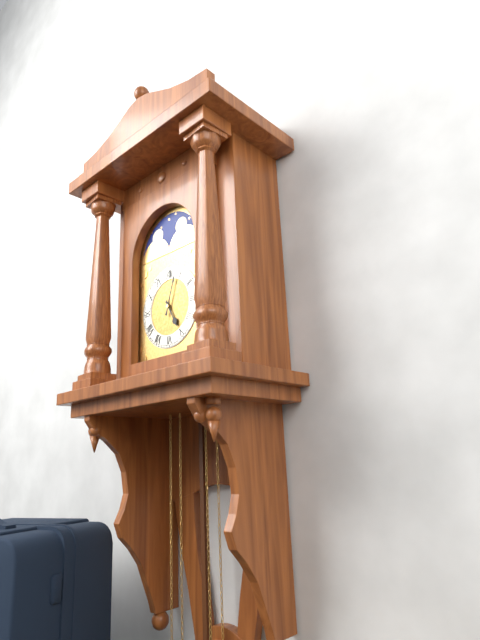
5:03
